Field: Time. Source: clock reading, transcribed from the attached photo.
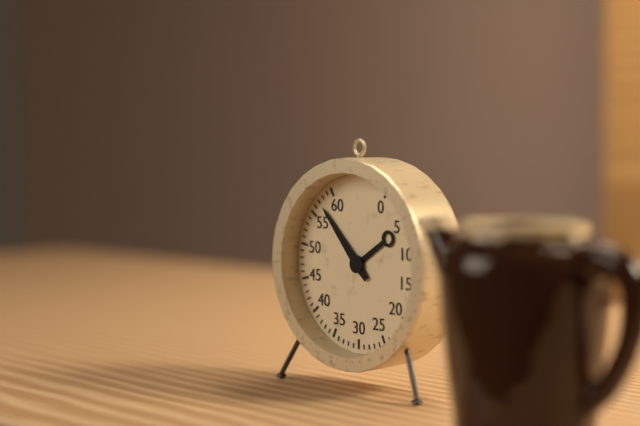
1:53
